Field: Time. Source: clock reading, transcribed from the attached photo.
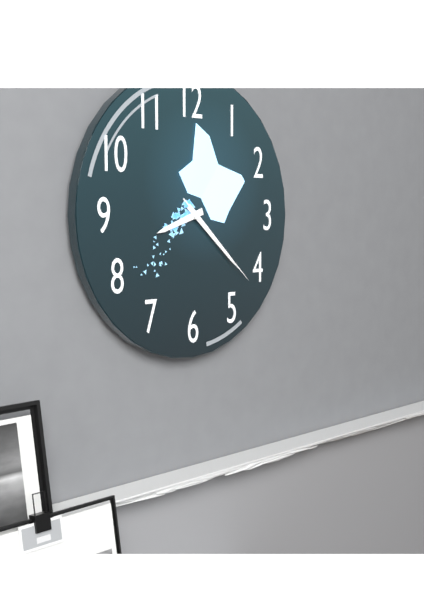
8:22:22
